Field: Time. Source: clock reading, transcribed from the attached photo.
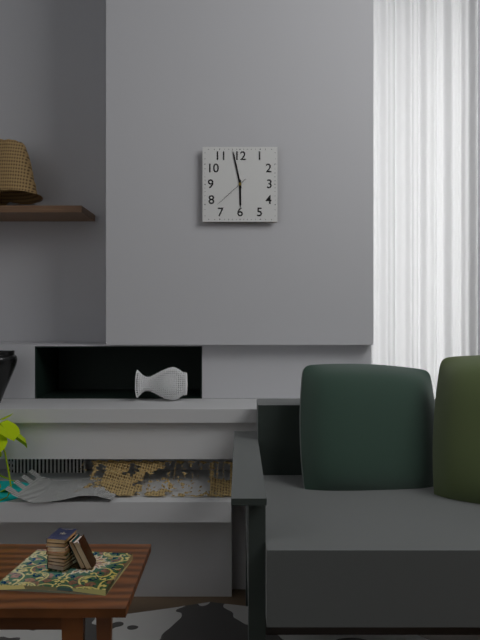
5:58
